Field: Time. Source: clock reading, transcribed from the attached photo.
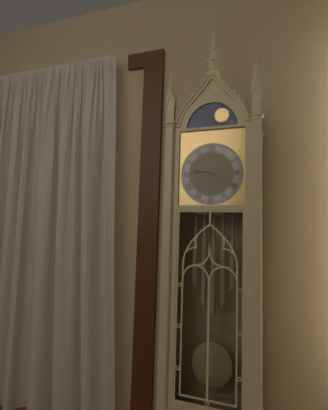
9:20
